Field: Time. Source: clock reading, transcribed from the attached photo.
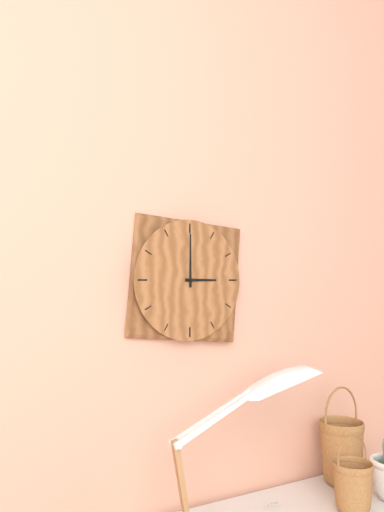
3:00
